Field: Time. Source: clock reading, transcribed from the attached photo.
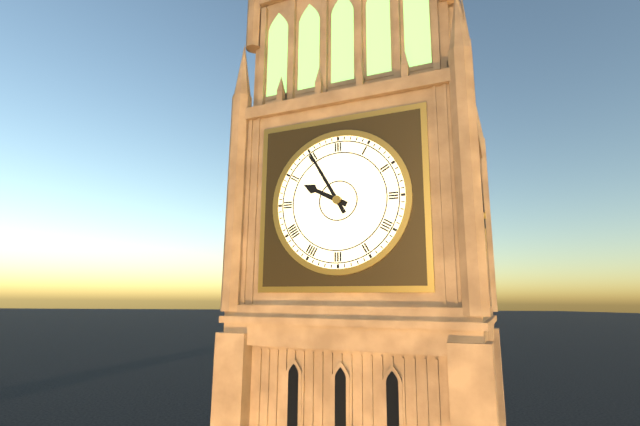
9:55
